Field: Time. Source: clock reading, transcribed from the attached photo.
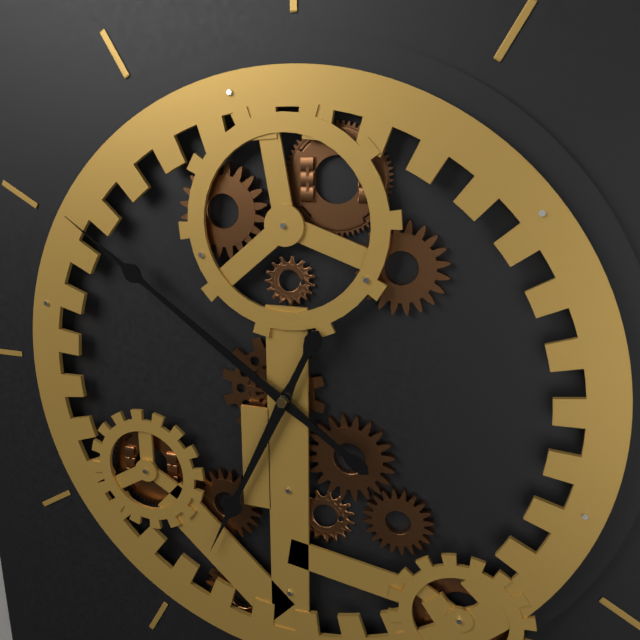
6:51
